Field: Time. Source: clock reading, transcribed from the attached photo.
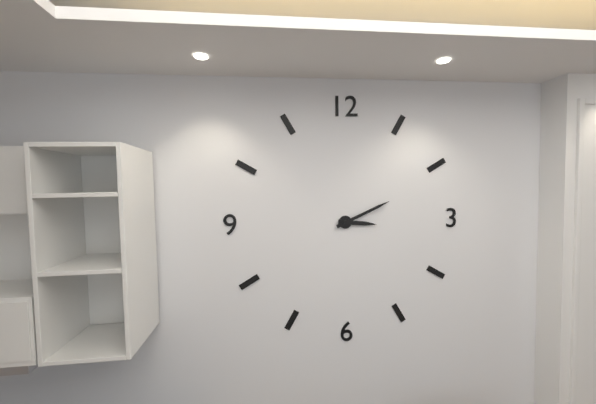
3:11
